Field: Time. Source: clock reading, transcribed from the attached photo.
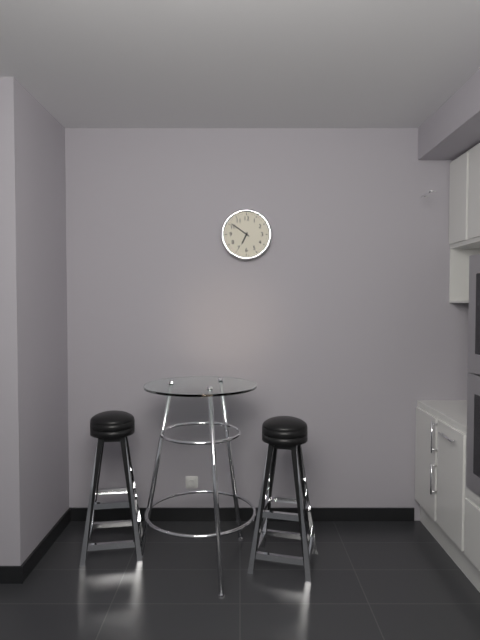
6:51
